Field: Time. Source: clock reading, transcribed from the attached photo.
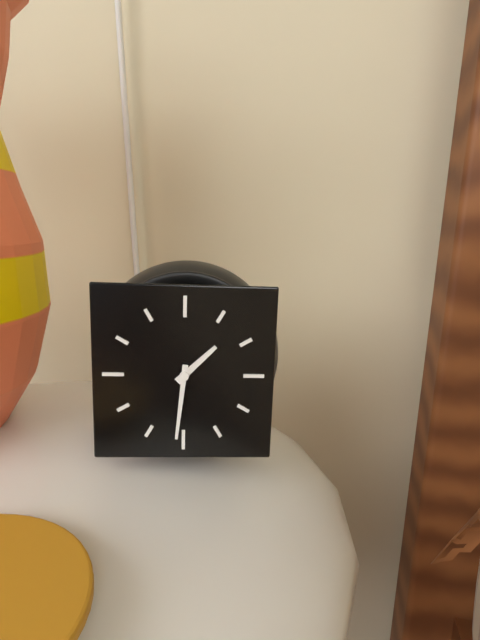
1:31
